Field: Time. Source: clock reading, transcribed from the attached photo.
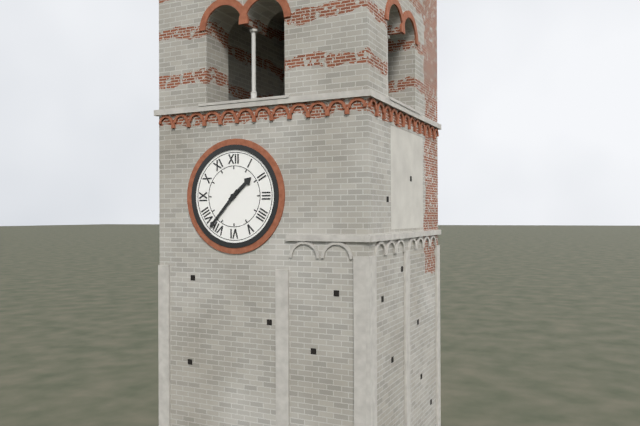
1:37
